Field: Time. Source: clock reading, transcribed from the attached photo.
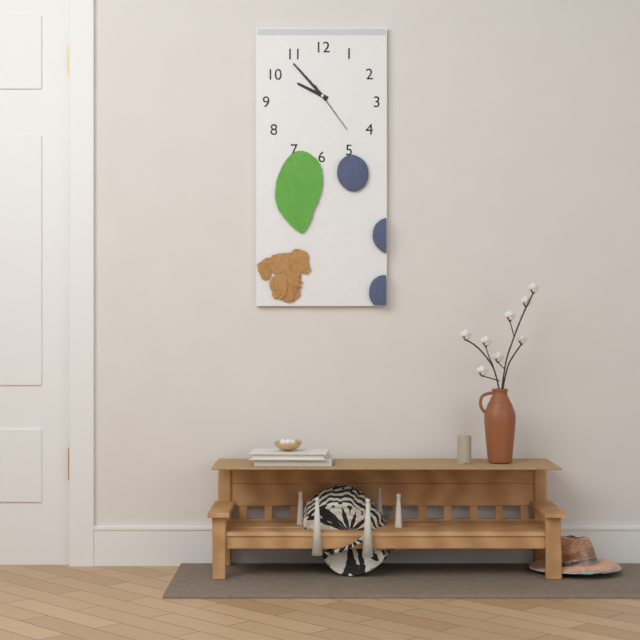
9:53:24
